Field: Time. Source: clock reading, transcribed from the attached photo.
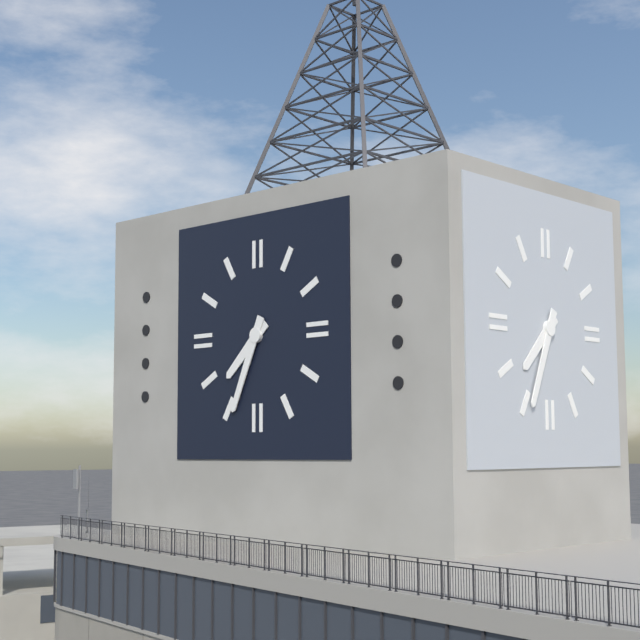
7:34
